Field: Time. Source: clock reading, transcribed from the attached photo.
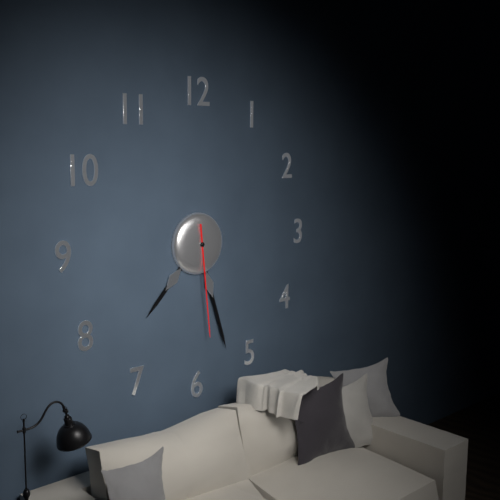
7:27:29
